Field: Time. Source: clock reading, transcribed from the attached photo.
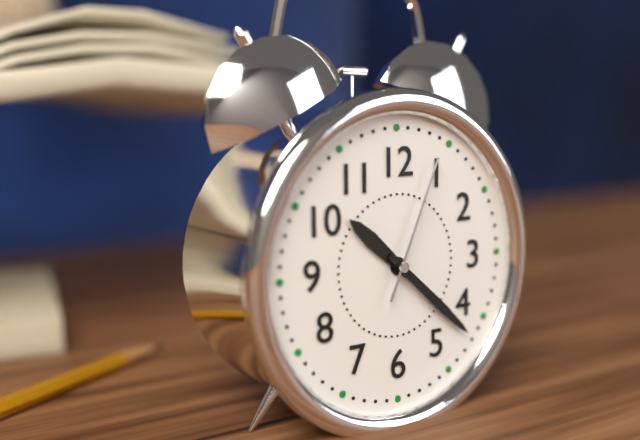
10:22:04
